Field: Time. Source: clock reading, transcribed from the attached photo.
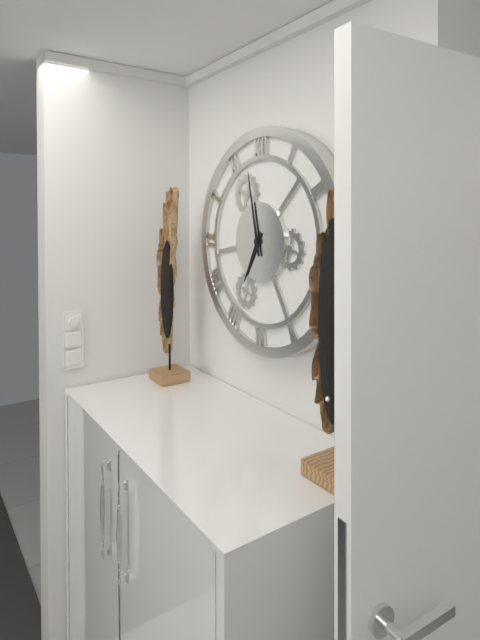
6:58
